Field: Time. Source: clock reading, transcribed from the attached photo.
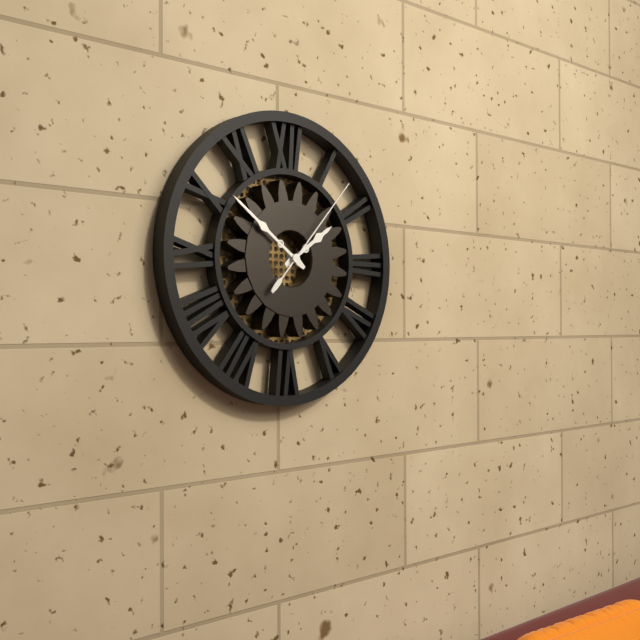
1:51:07
